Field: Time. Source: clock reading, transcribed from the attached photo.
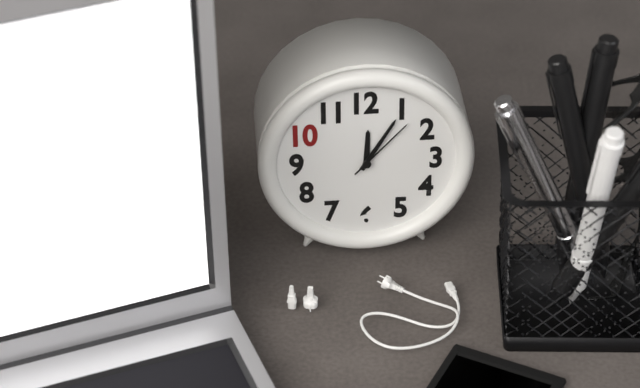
12:05:07
